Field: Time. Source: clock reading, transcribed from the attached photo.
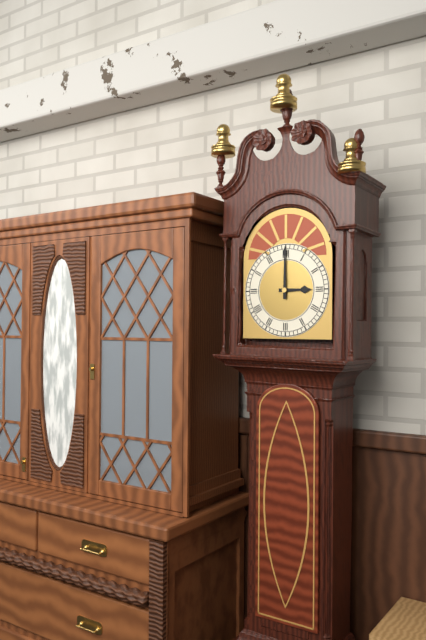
3:00
